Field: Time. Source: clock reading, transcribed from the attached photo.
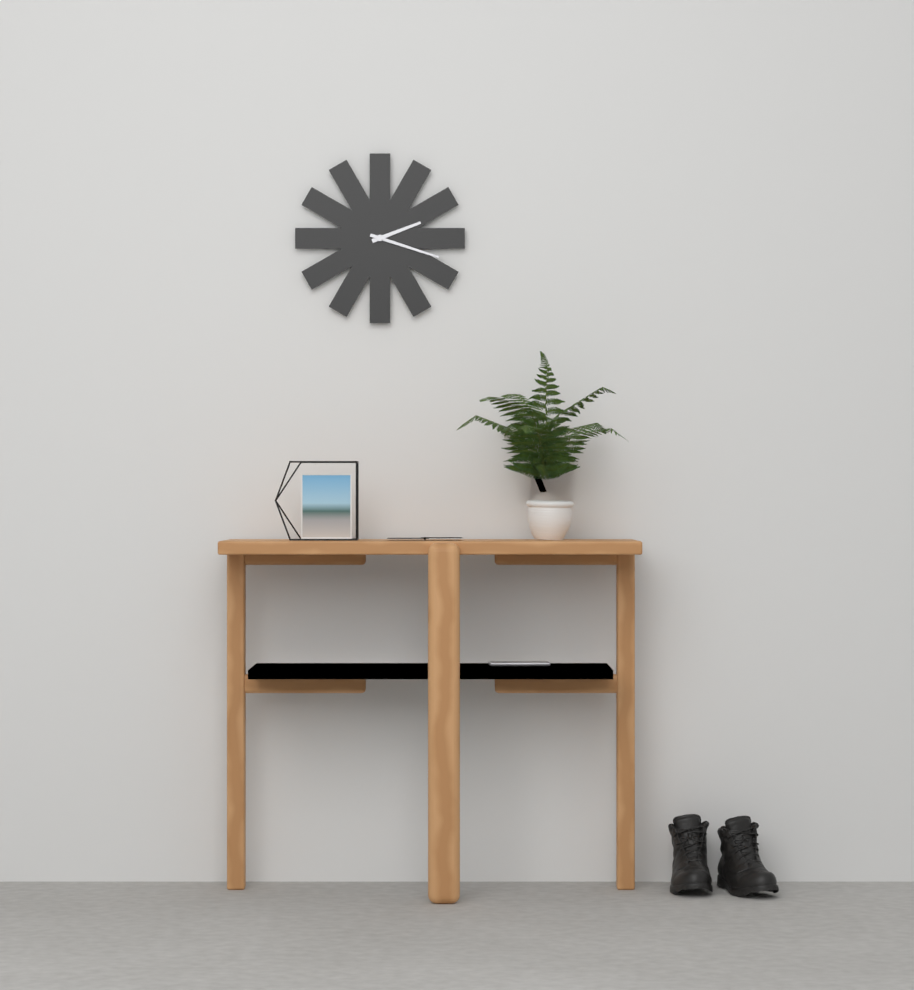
2:18
